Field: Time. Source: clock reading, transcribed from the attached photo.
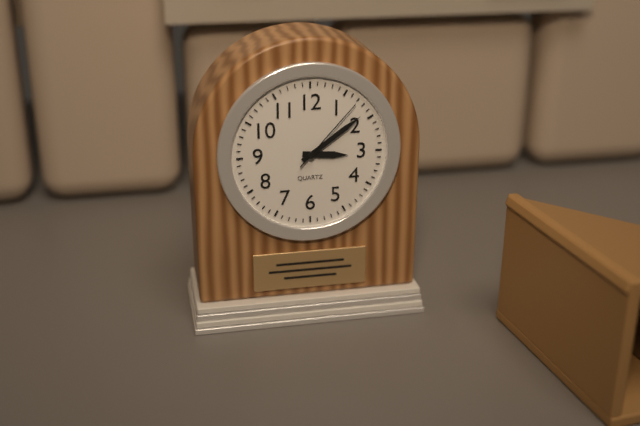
3:09:07
